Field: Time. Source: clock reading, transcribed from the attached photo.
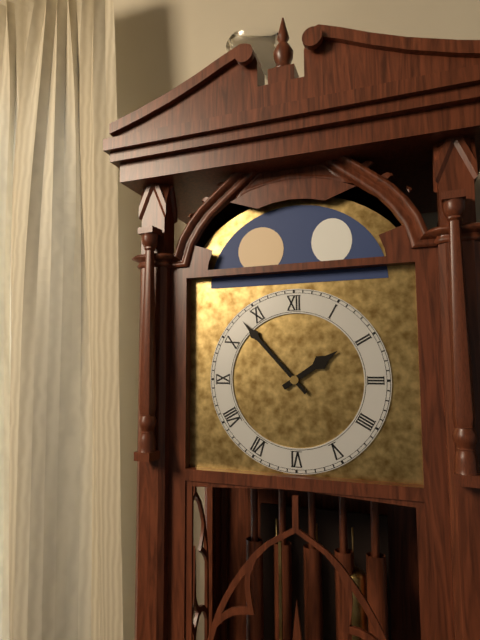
1:53
